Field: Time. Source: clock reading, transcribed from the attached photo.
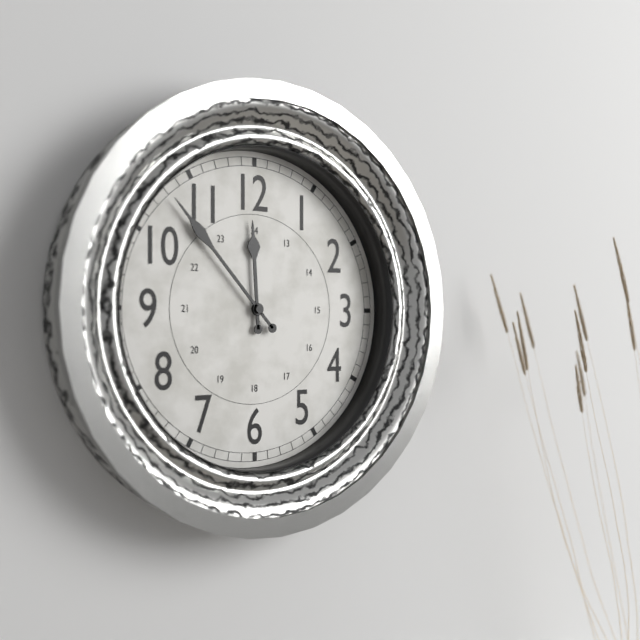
11:53
